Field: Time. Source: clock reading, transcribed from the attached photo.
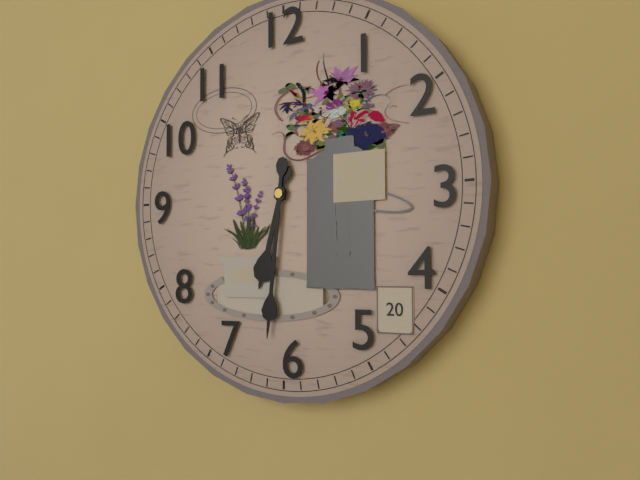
6:31
